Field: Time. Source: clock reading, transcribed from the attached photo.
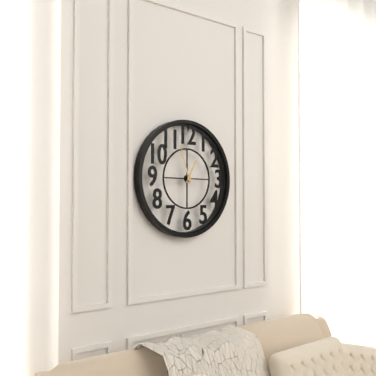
12:57
